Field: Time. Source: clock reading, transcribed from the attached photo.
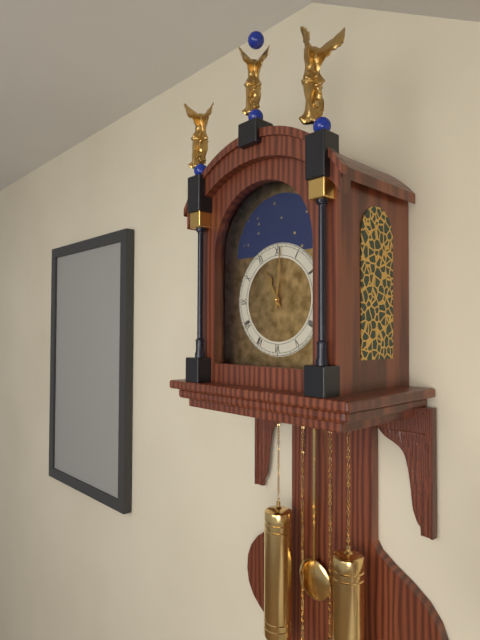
11:01
